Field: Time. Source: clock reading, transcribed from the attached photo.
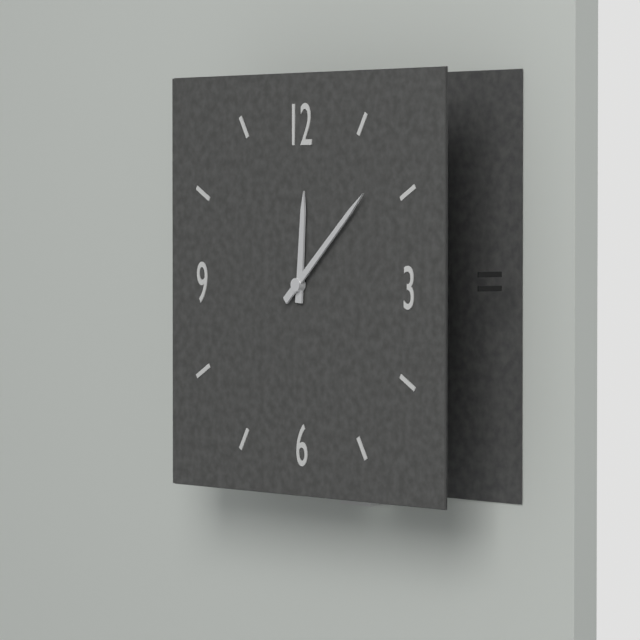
12:08
